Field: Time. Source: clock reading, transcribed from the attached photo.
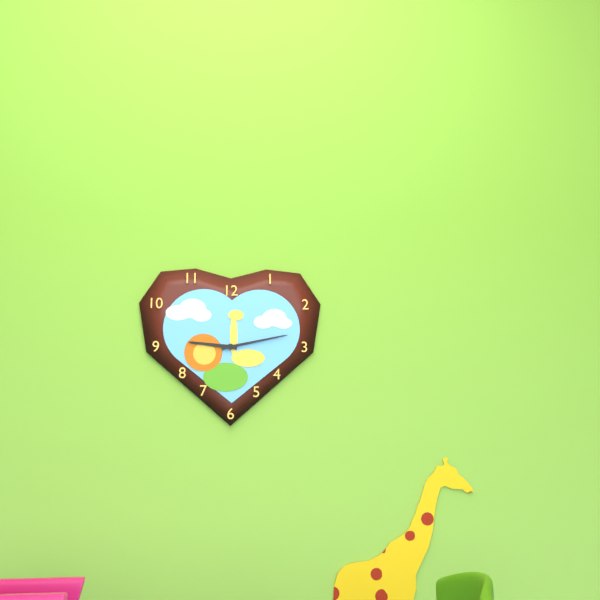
9:13
